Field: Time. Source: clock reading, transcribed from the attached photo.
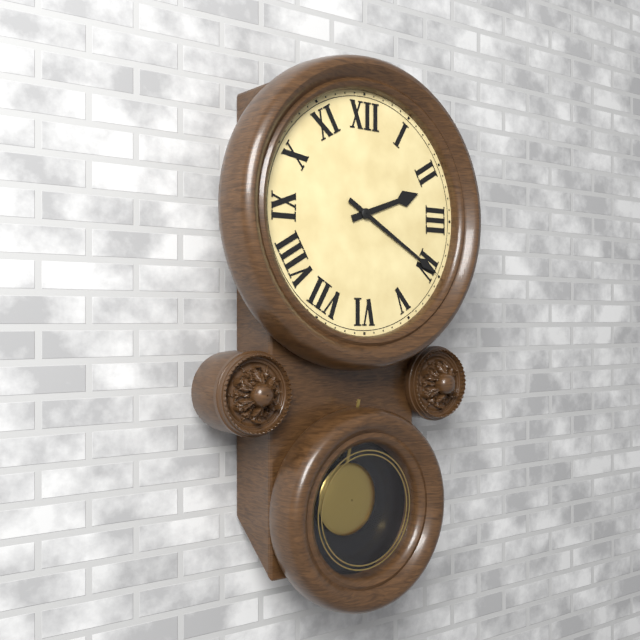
2:20
